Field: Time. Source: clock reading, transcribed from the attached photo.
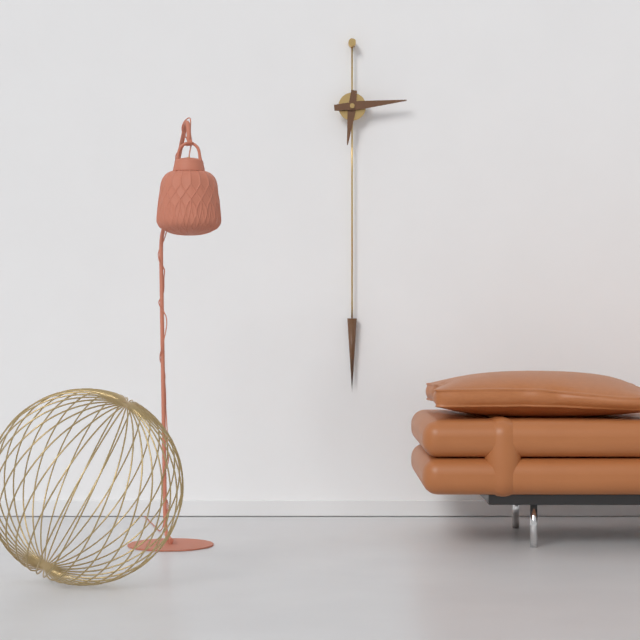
6:14
